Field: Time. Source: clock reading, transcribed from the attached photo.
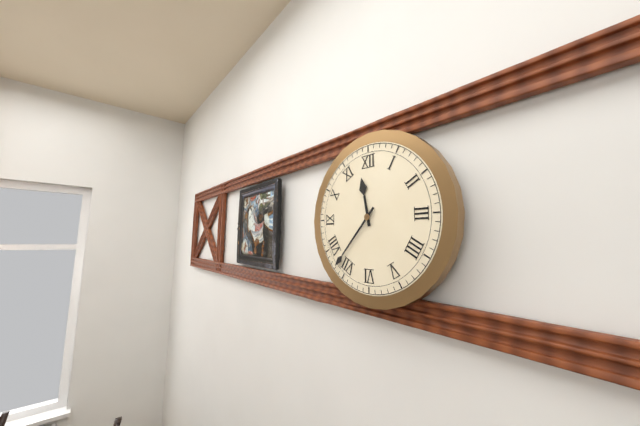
11:37
